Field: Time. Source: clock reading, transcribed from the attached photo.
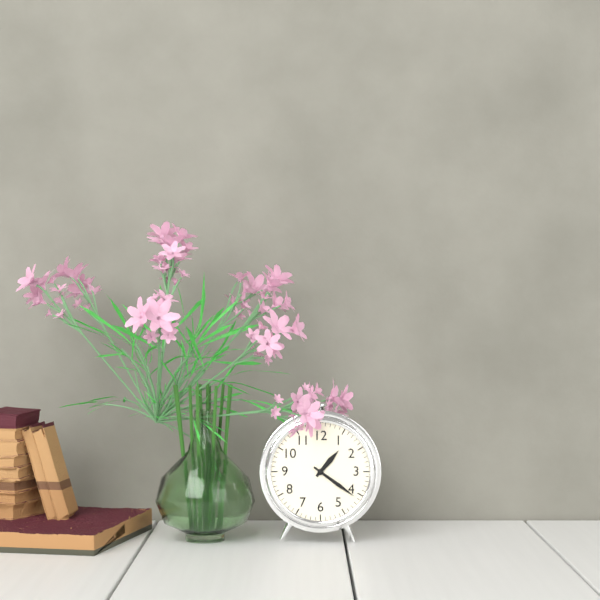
1:21
